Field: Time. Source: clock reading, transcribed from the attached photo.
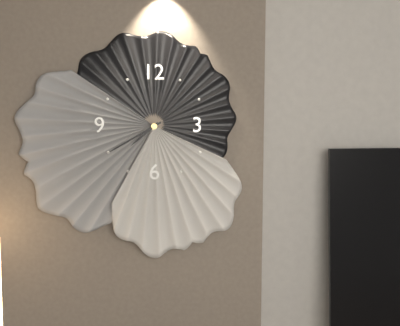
7:40
